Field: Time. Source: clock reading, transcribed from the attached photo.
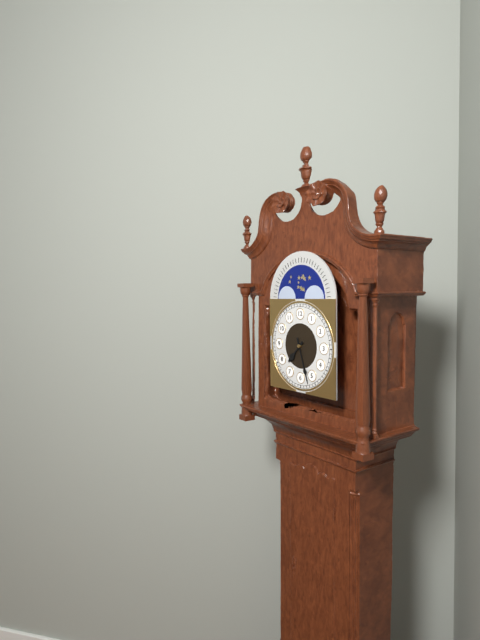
7:27
